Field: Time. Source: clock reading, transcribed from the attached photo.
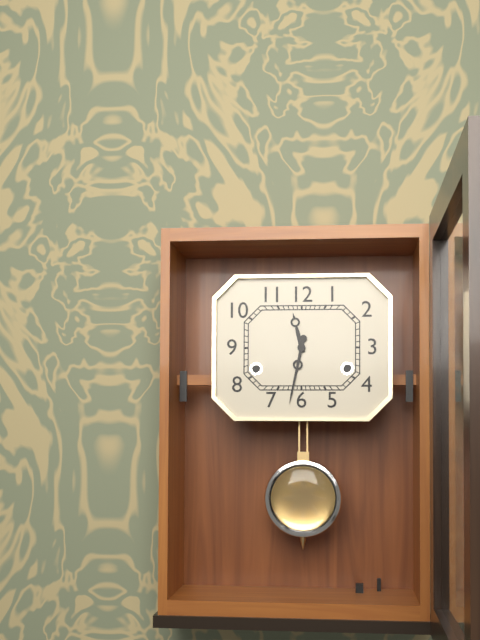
11:32
